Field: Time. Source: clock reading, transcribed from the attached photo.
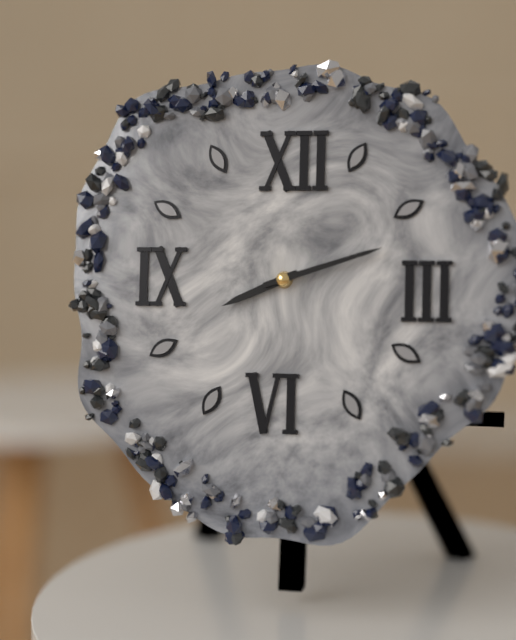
8:12
